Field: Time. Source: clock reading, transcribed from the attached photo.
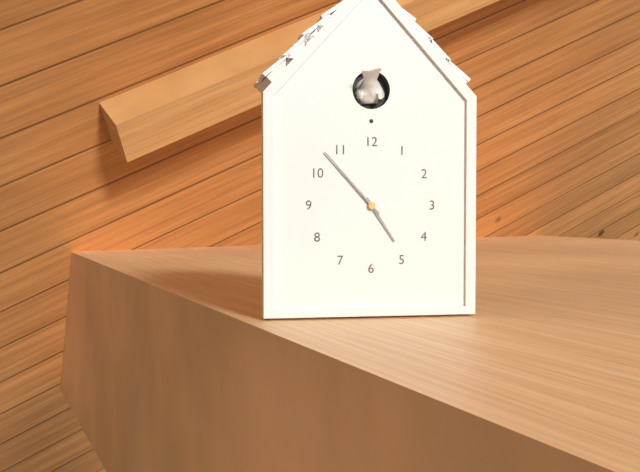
4:53
